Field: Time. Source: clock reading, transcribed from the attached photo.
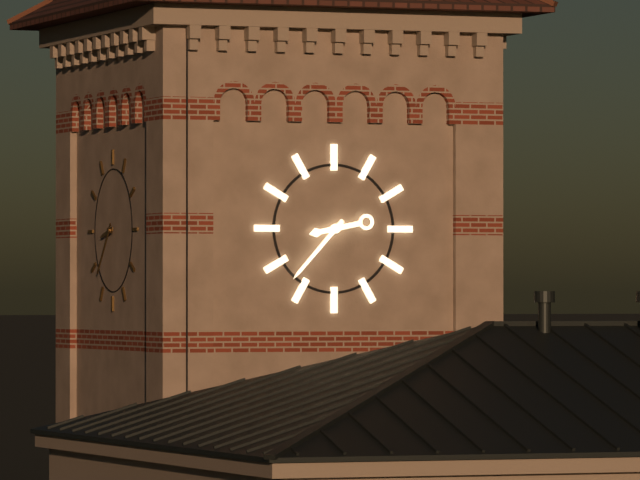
8:37
